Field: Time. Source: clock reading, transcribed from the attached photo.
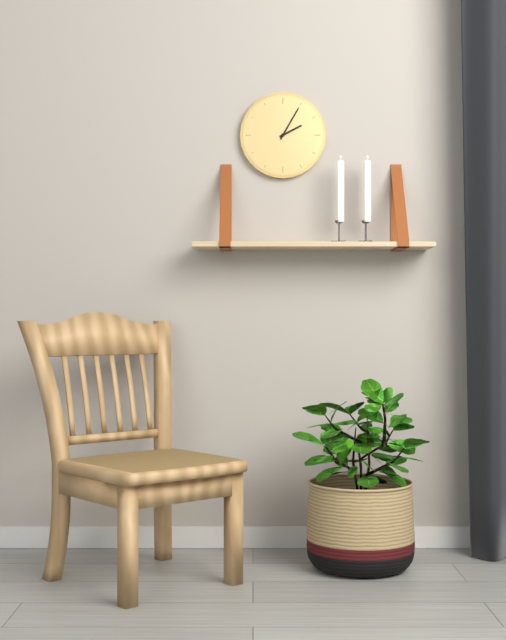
2:05
